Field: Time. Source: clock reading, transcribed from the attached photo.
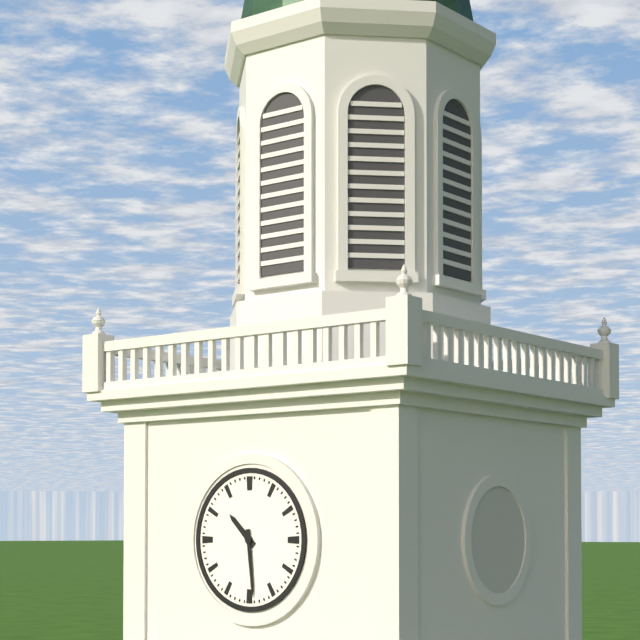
10:29
